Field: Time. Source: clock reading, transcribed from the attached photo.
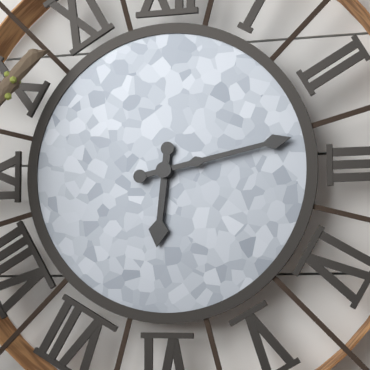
6:13
